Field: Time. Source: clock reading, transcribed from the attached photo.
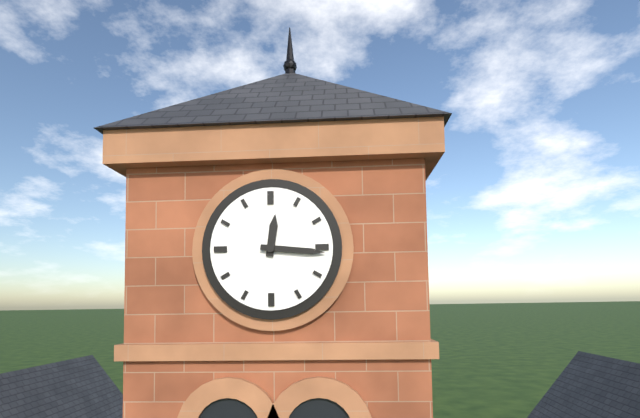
12:16
